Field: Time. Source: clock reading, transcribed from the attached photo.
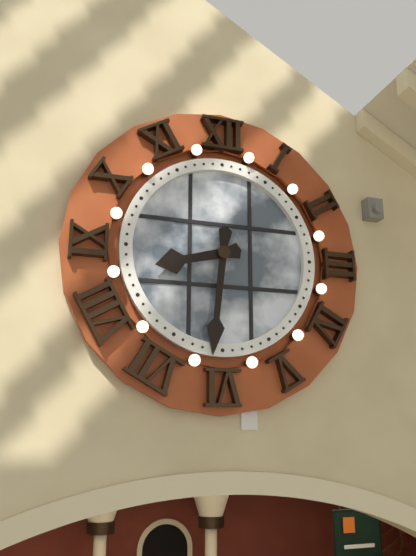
8:31
